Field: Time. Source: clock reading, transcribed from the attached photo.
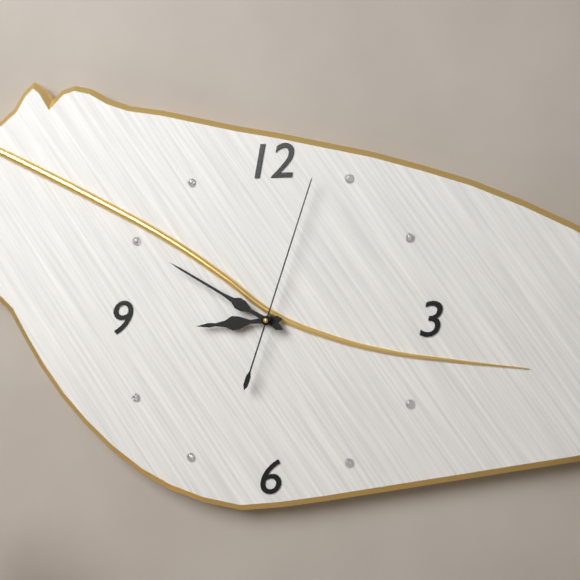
8:50:03
